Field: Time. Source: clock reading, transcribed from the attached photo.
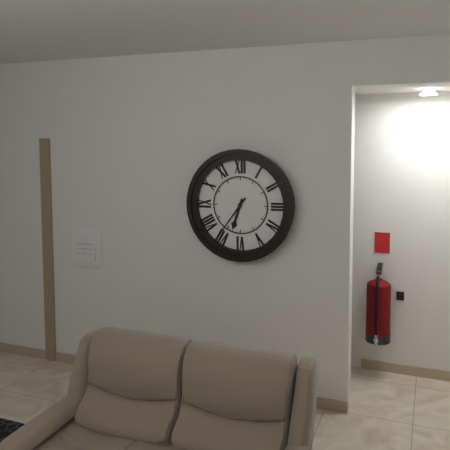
6:36
